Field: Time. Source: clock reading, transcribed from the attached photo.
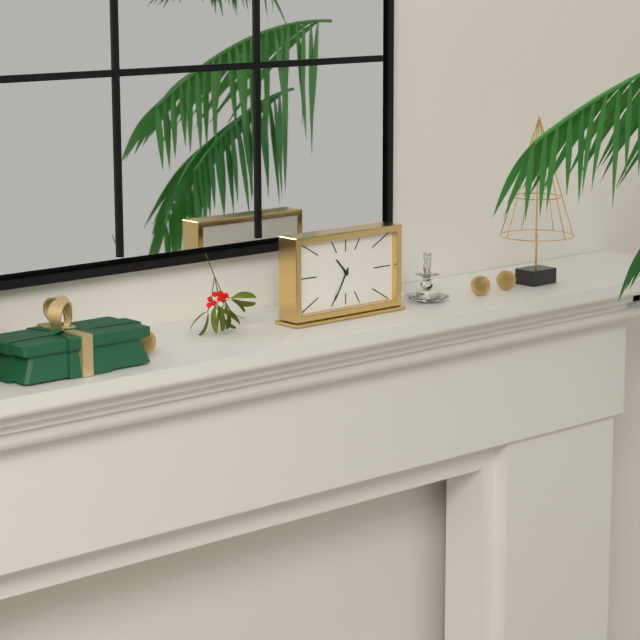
10:35
